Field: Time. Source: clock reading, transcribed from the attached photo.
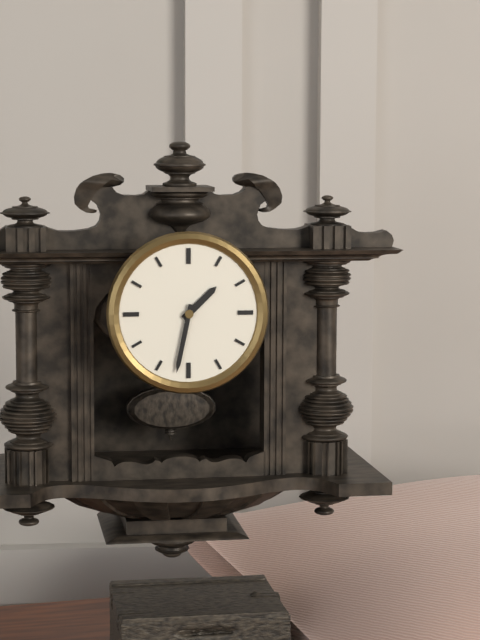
1:32
